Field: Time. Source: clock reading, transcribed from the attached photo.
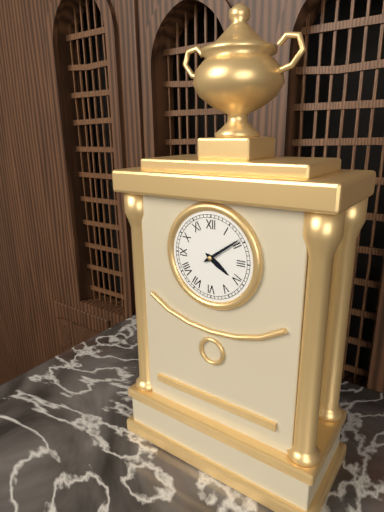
4:09
